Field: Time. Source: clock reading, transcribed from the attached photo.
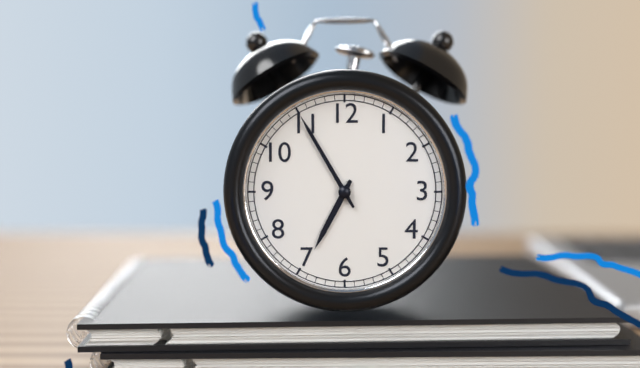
6:55
